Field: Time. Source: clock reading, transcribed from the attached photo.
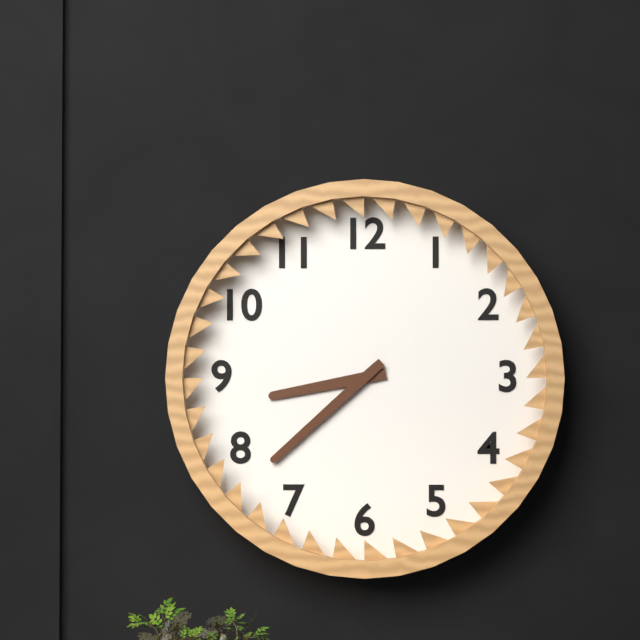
8:38
